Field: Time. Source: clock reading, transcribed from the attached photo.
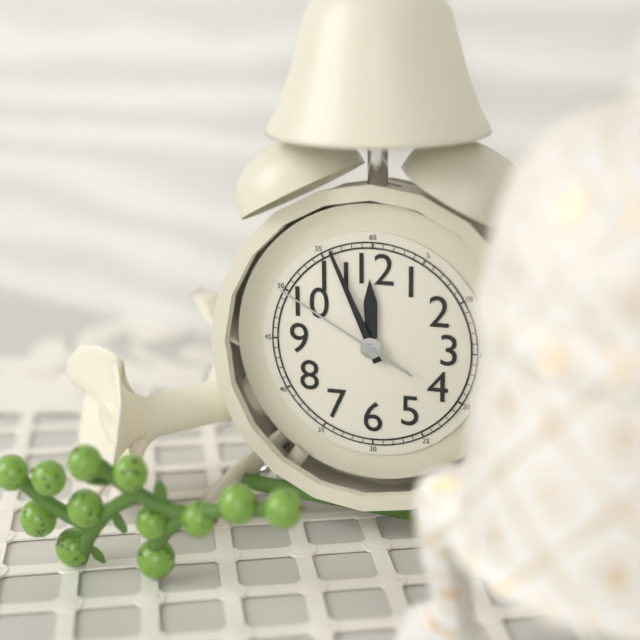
11:56:50
